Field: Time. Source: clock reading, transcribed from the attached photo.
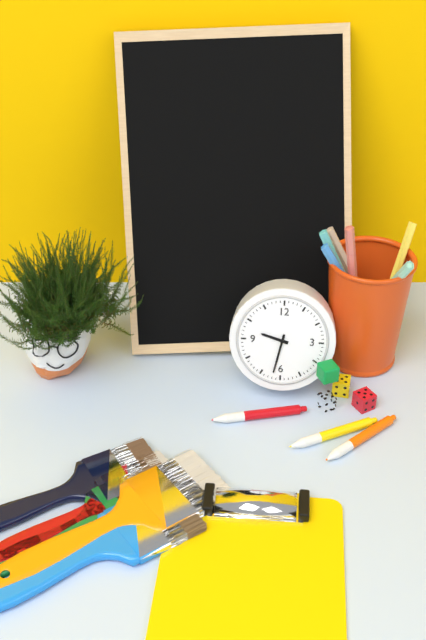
9:32
